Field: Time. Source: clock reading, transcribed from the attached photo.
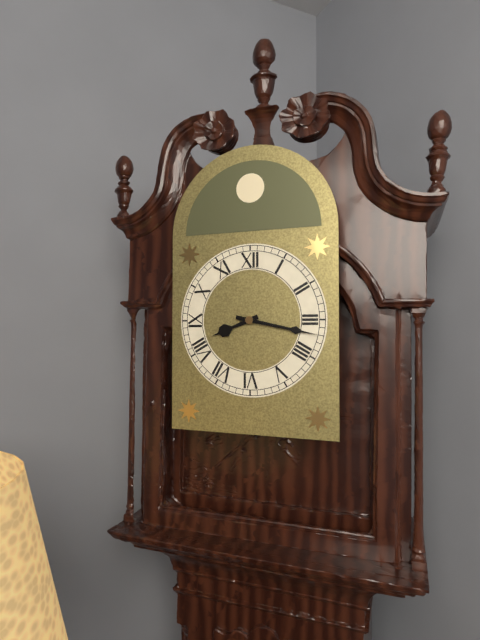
8:17
